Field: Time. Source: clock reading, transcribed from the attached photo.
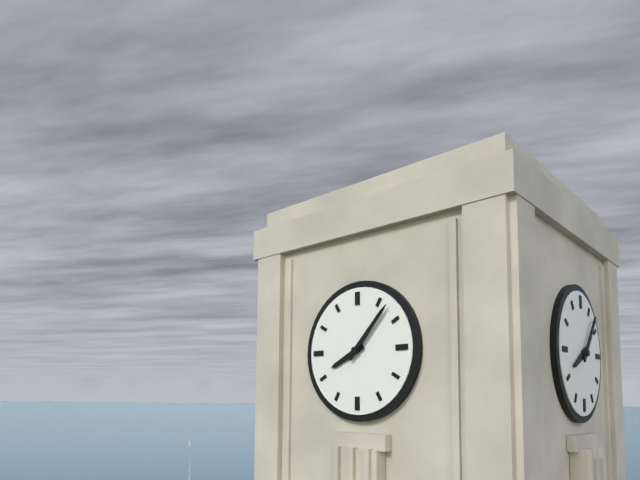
8:07
